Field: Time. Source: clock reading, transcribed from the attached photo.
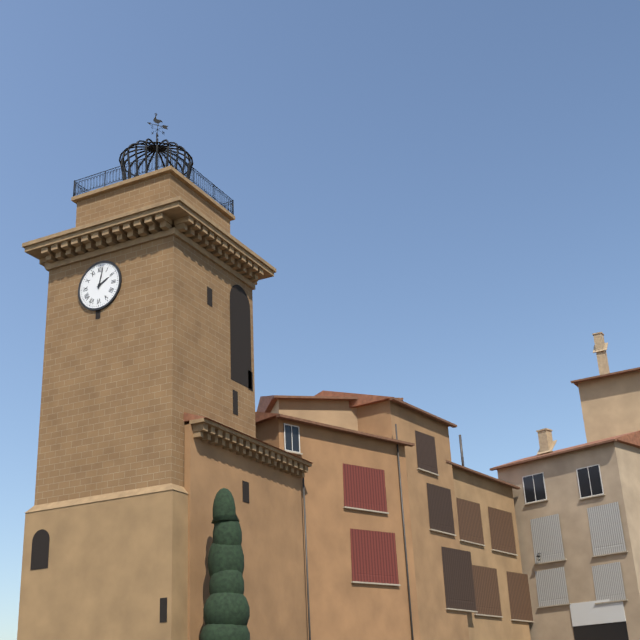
2:02
